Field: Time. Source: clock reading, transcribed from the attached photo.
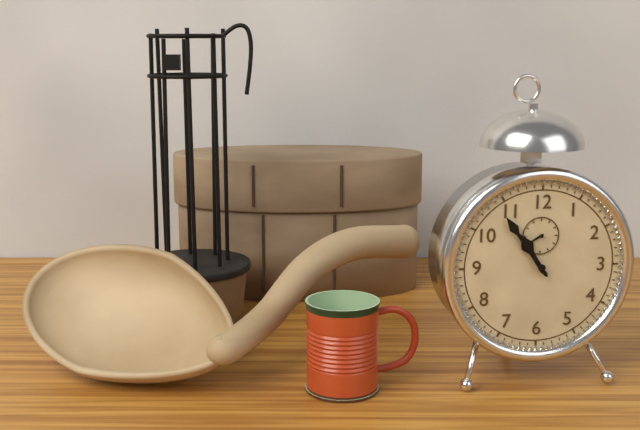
10:54
